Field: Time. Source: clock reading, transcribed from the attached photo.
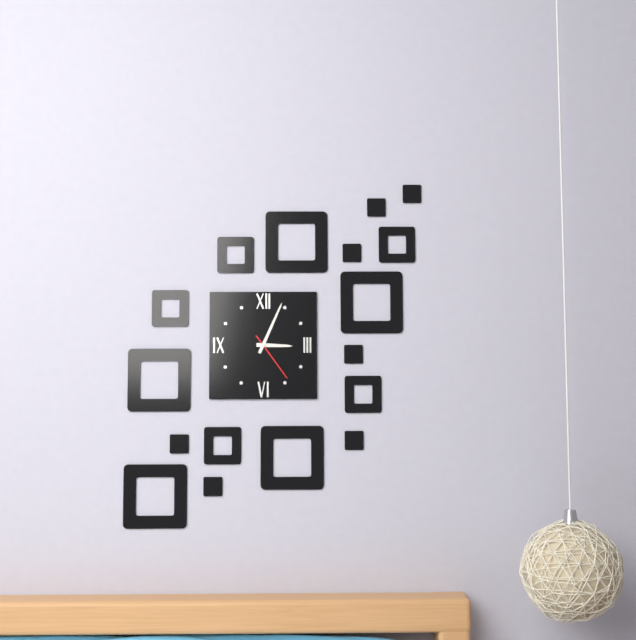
3:04:24
